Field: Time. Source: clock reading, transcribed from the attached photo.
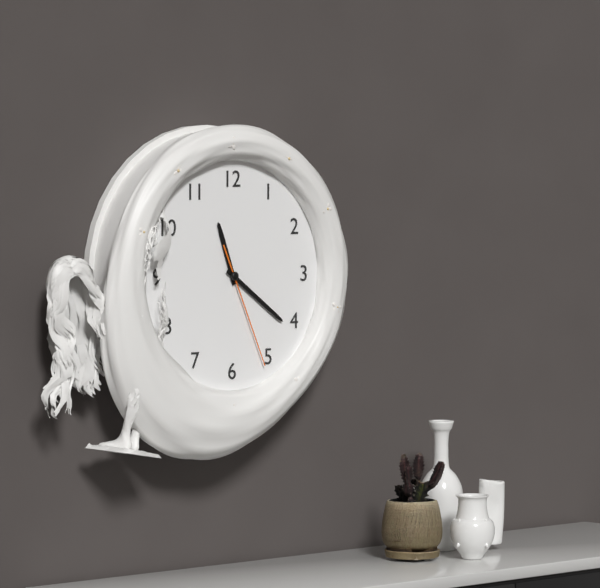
11:21:26
